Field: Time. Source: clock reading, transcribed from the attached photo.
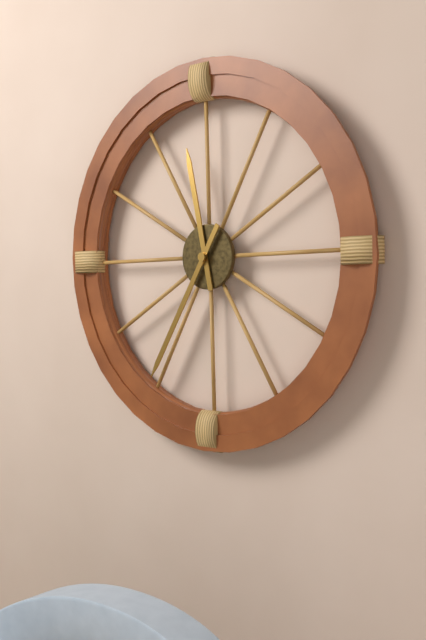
11:35
